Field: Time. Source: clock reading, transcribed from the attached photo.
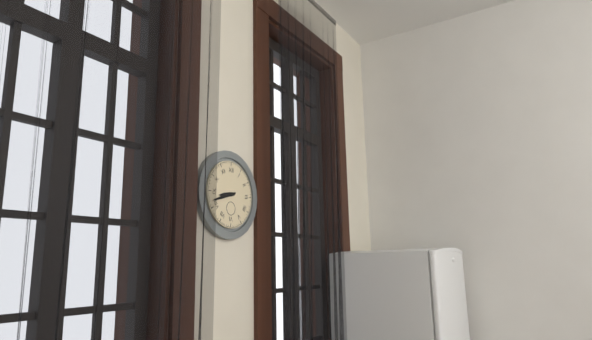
8:42
